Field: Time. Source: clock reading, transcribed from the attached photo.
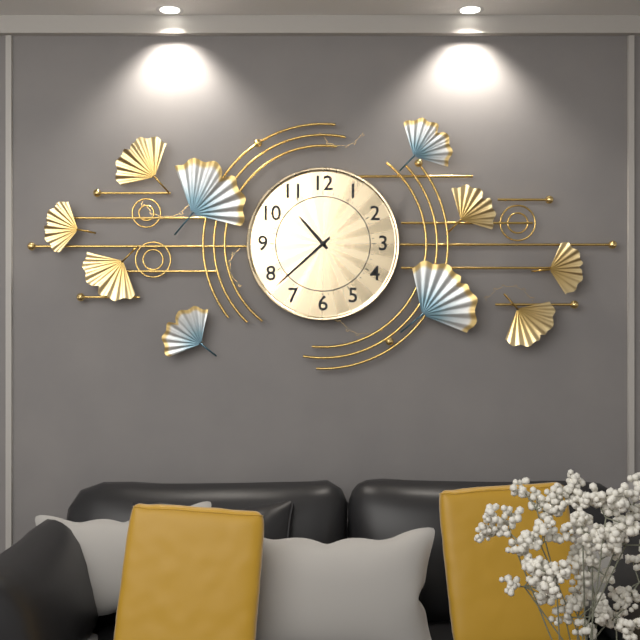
10:38
